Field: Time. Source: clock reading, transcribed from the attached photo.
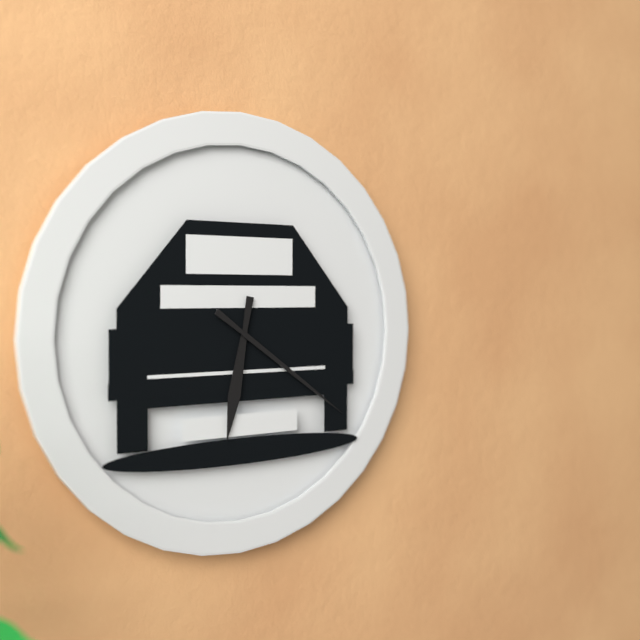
6:21
